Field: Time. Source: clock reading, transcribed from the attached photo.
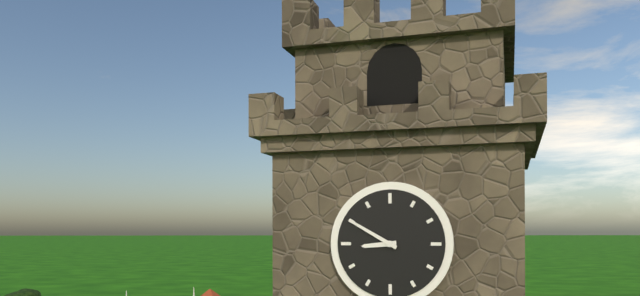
8:50
